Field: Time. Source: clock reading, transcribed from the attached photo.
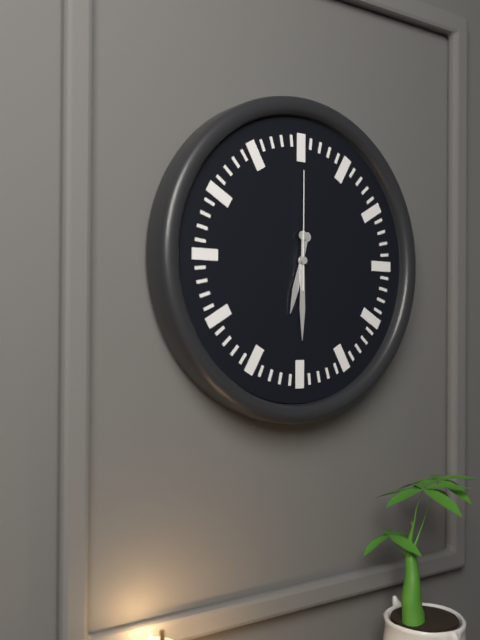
6:30:00
